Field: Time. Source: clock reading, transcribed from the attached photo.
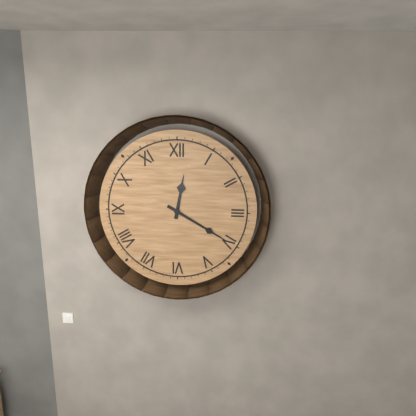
12:20
